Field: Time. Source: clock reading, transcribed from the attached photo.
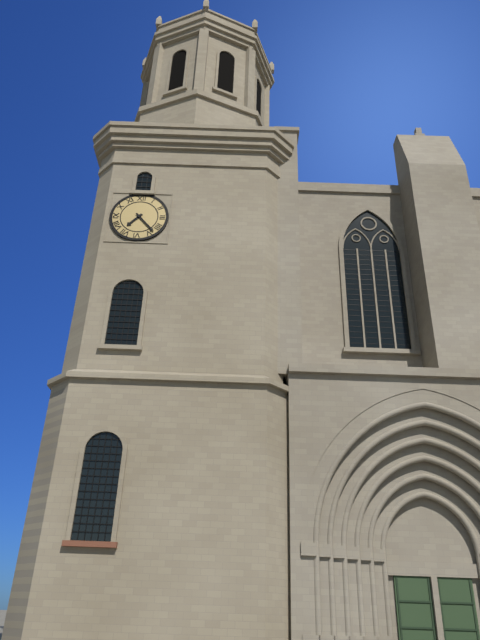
7:23
